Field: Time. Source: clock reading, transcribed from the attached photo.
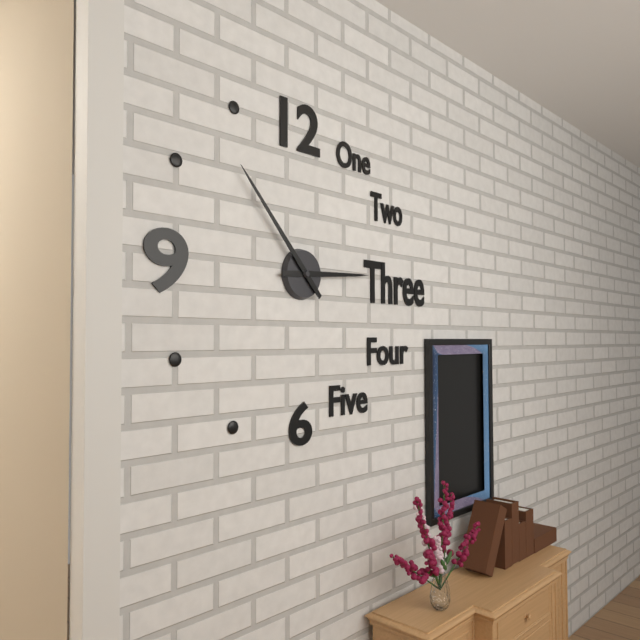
2:53
